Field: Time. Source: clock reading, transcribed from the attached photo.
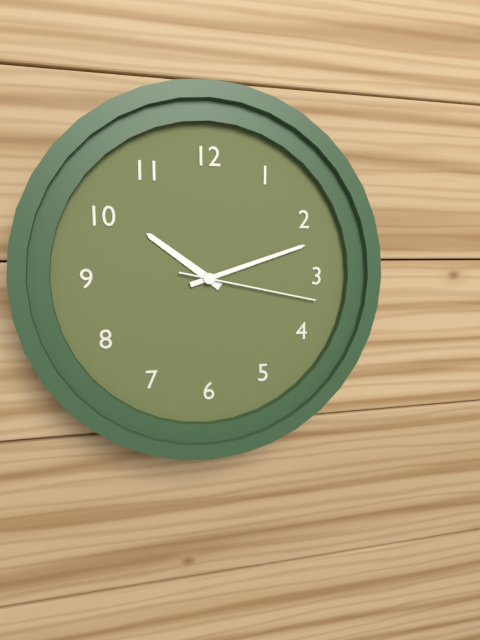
10:12:17
